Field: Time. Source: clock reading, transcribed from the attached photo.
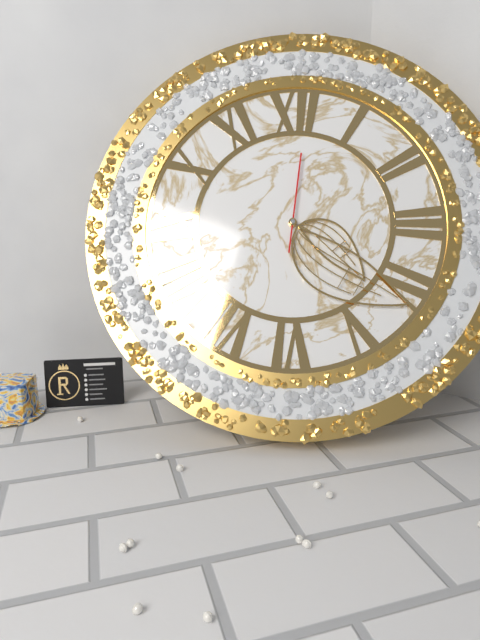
4:21:01
